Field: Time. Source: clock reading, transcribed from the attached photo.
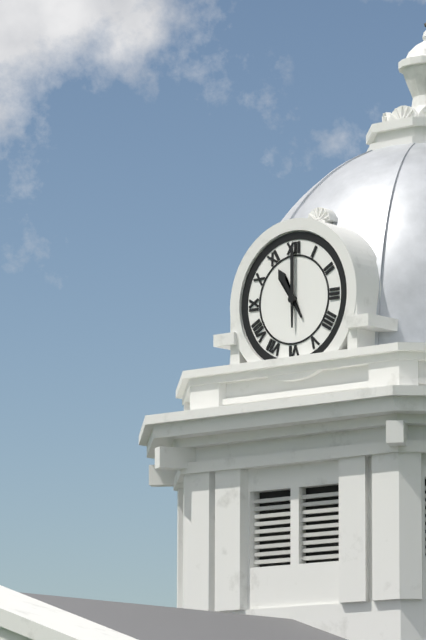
11:00
